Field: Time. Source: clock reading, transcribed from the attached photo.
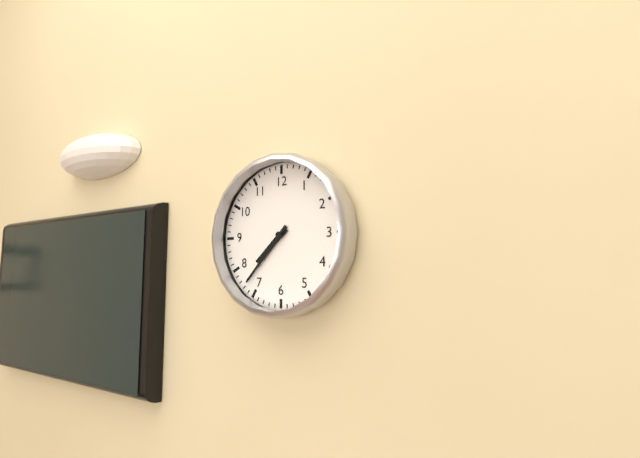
7:37
